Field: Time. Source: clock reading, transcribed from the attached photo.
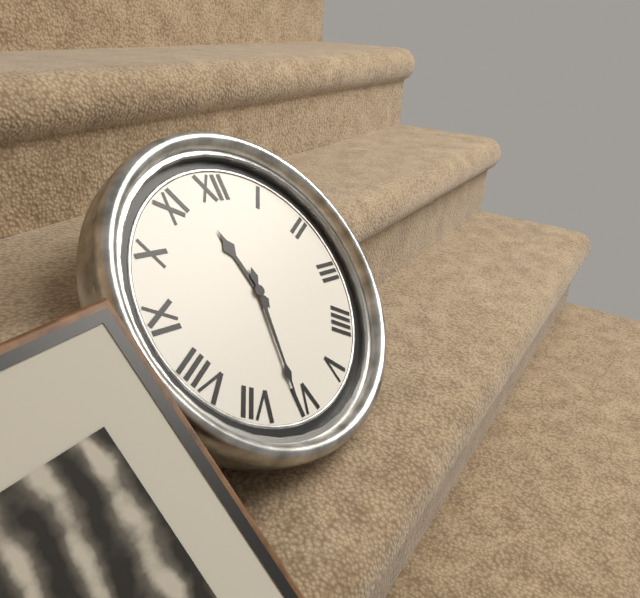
11:31
